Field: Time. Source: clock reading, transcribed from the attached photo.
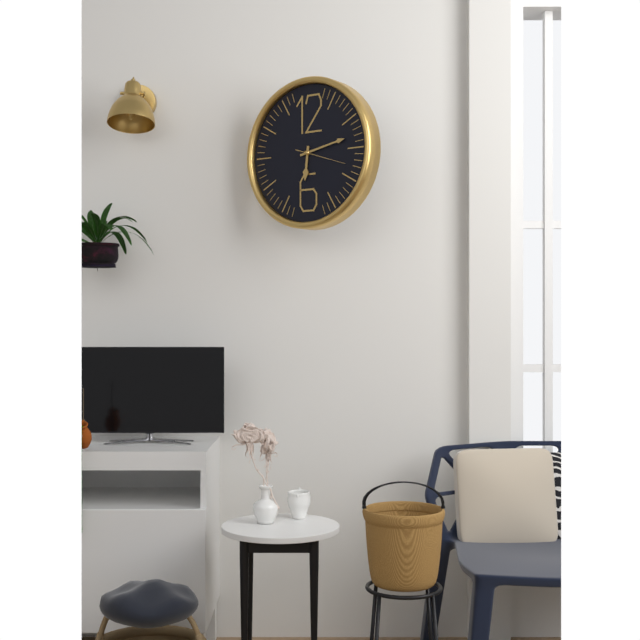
6:13
